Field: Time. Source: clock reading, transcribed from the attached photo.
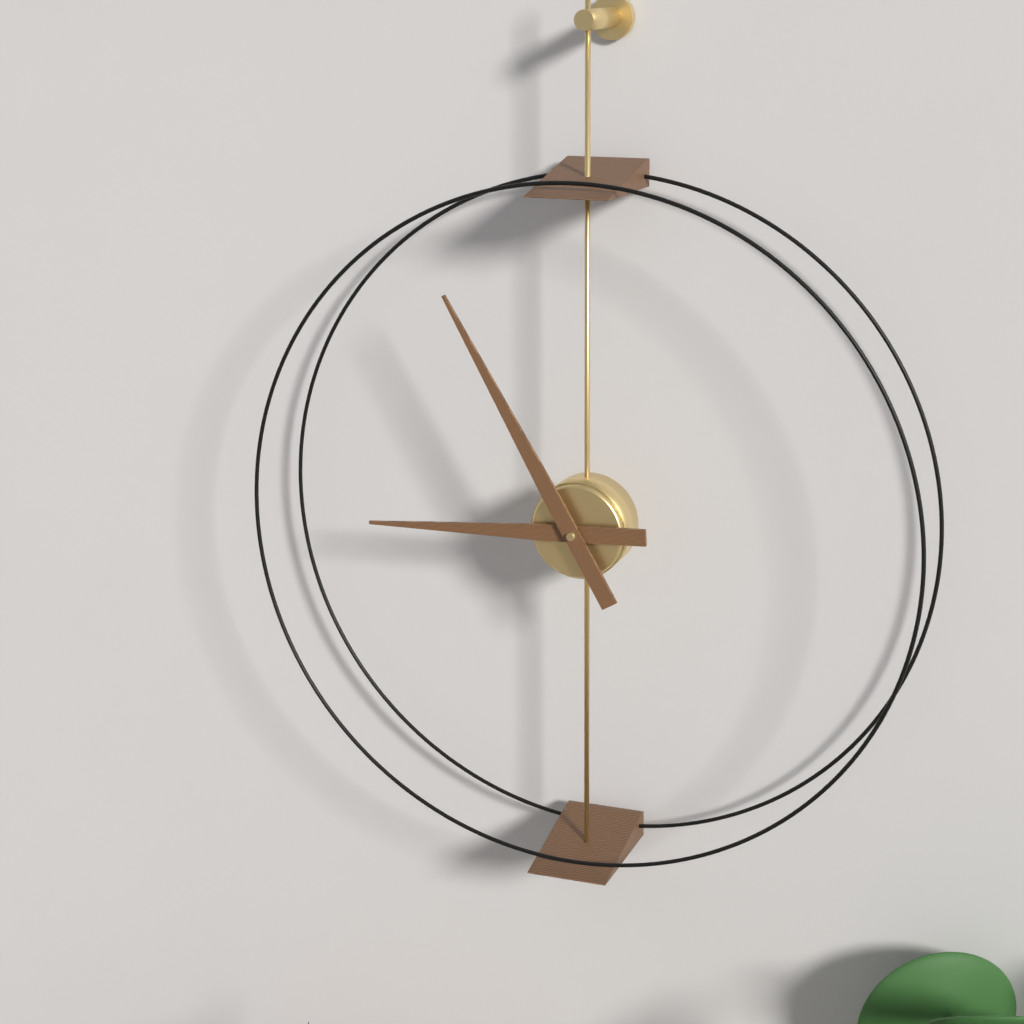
8:55
